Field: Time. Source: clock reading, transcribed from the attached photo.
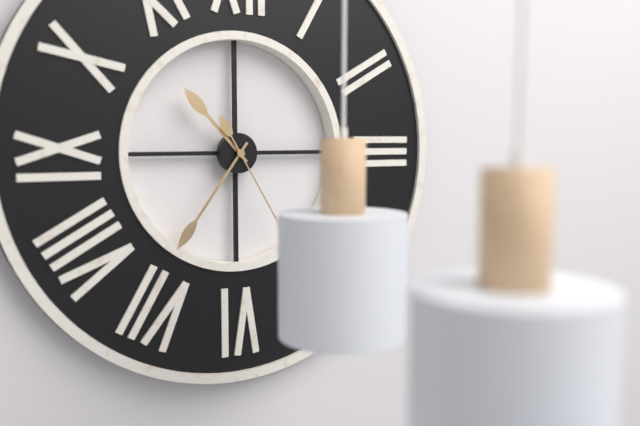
10:36
